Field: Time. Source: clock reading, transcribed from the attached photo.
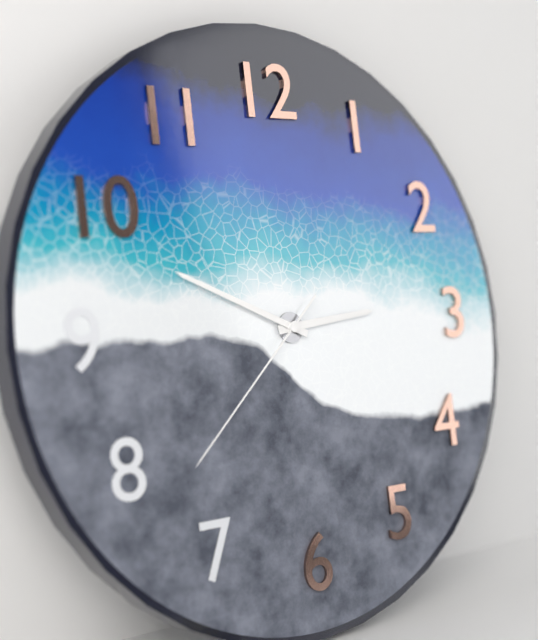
2:49:38
